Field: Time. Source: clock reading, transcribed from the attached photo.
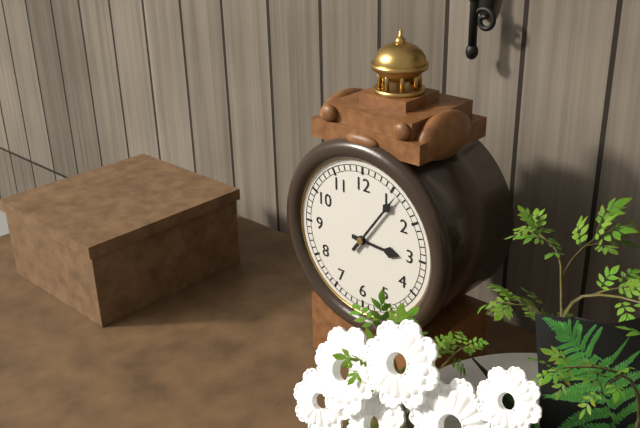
3:06
